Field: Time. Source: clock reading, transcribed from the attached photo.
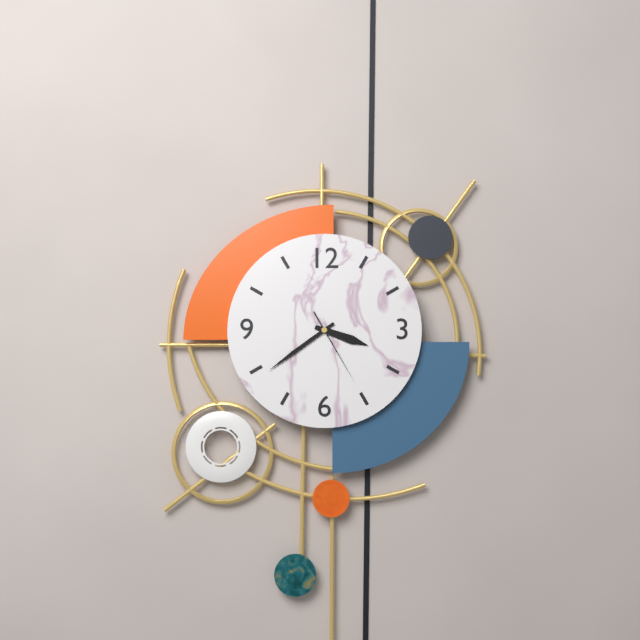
3:39:25
